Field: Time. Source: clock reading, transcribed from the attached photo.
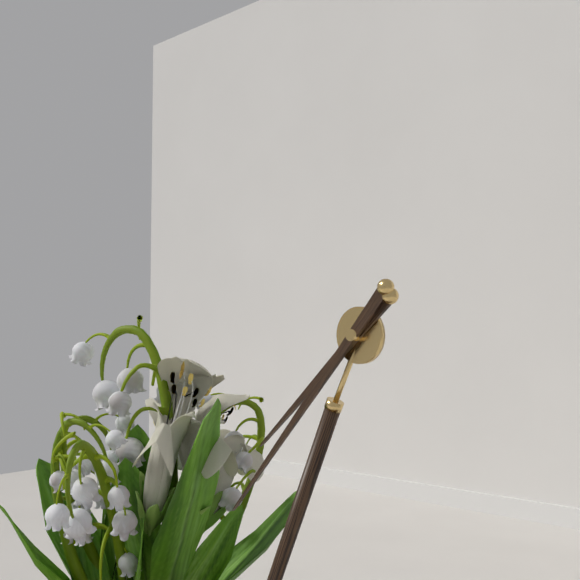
7:37
